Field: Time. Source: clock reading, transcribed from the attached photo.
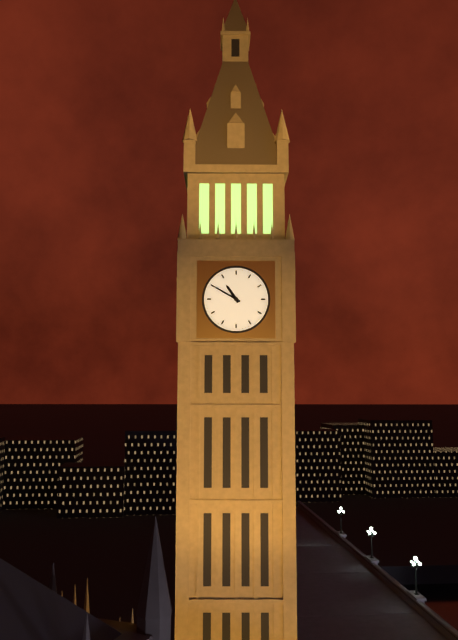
10:50
